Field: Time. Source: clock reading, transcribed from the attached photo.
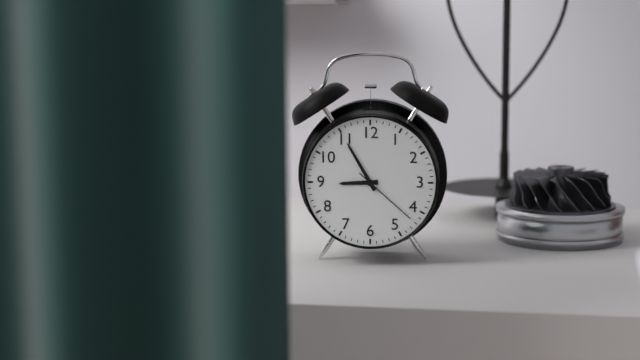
8:55:22
